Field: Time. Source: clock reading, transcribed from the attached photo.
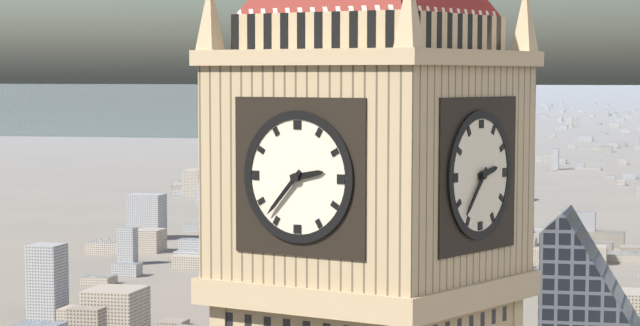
2:37
